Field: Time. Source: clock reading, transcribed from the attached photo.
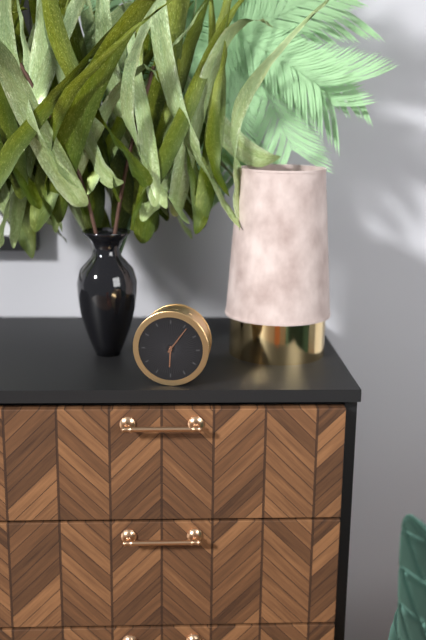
6:06
